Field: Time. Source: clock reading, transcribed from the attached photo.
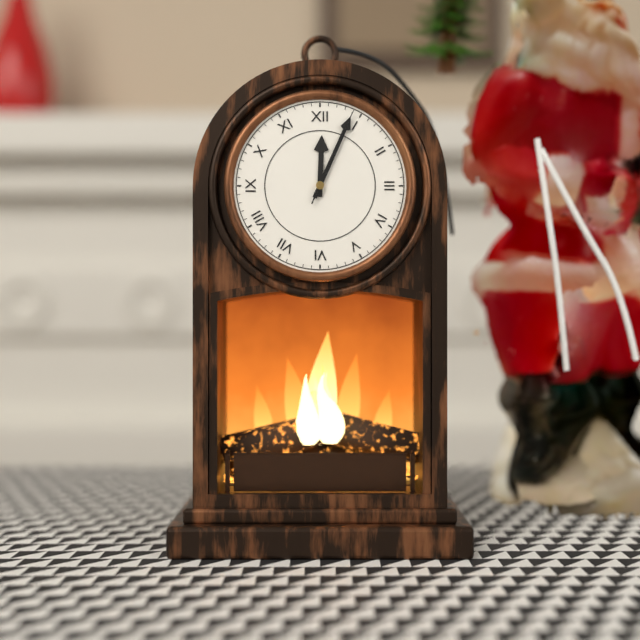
12:04:04
